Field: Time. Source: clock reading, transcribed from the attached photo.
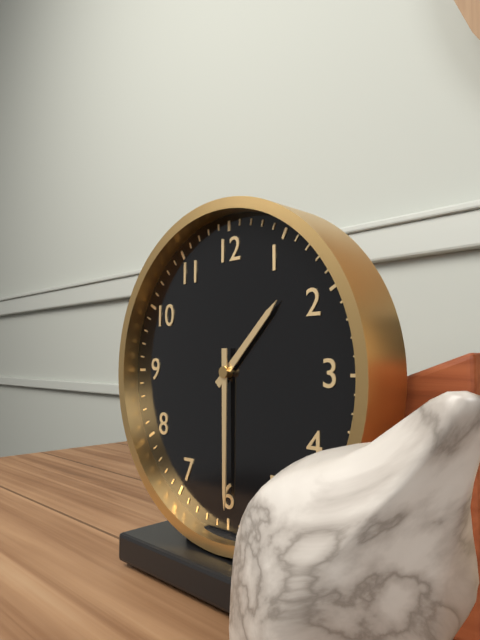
1:30
